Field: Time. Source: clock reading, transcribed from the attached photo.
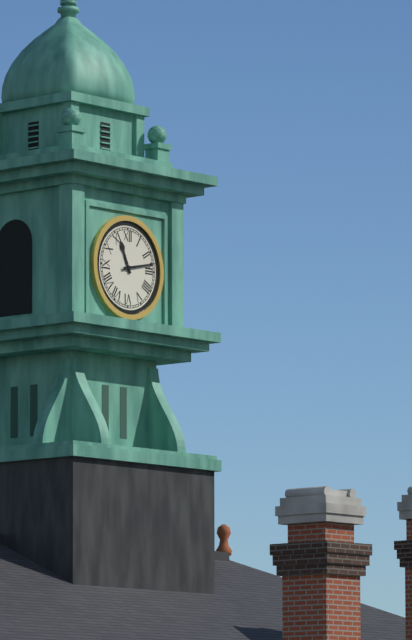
11:13
